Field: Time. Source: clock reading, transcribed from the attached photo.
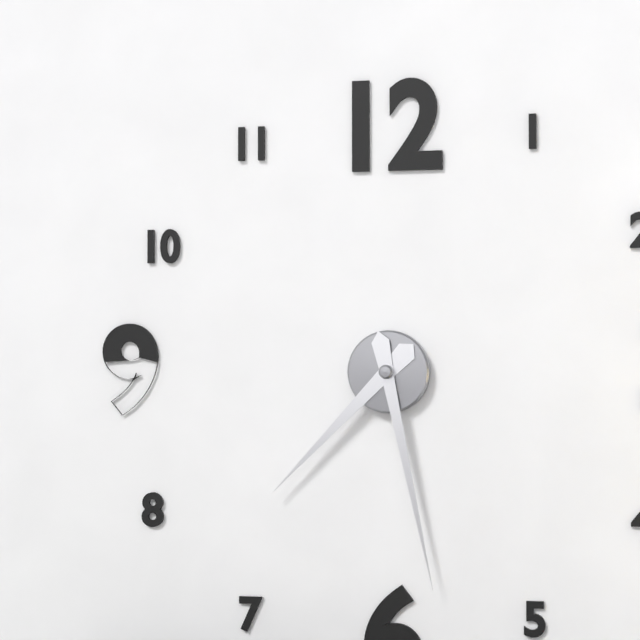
7:28
